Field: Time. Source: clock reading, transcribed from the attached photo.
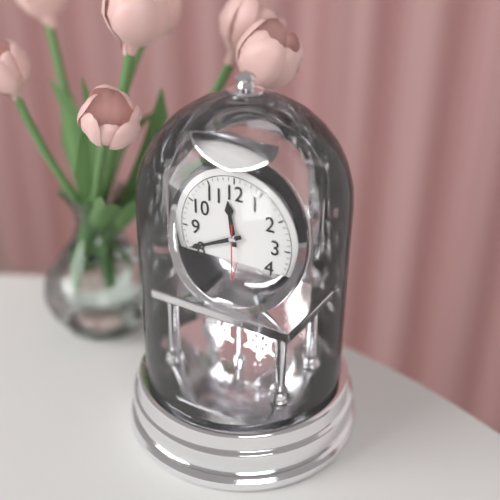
11:41:30
